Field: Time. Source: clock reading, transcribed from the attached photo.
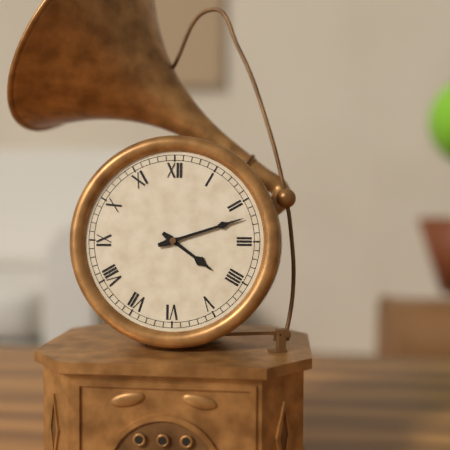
4:12
